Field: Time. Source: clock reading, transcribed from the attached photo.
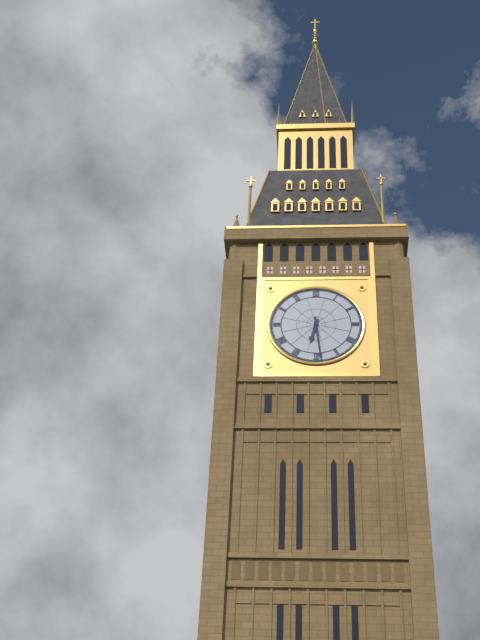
6:29
